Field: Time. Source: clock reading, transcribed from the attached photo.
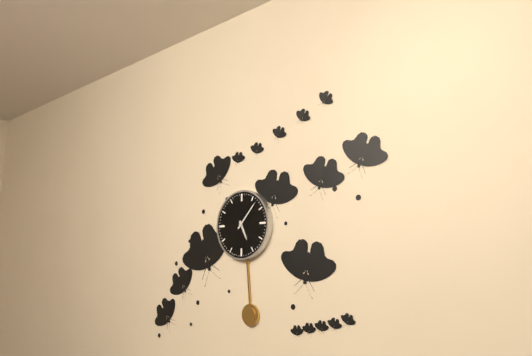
5:07
